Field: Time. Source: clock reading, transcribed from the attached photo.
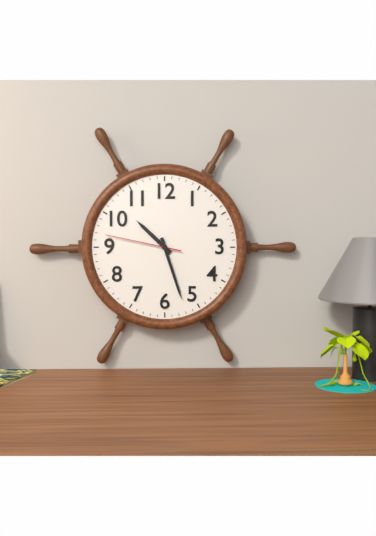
10:27:47
